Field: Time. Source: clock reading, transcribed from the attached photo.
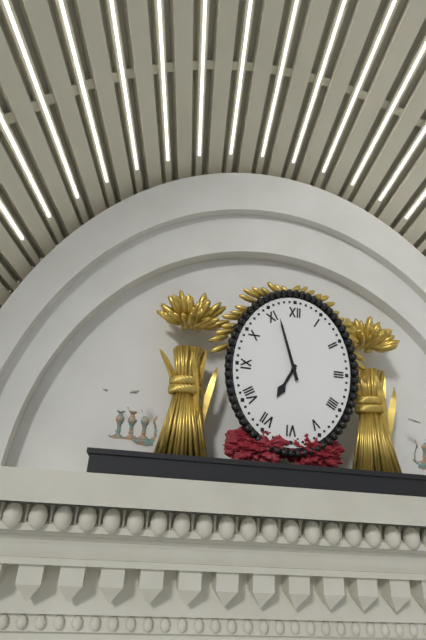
6:57
